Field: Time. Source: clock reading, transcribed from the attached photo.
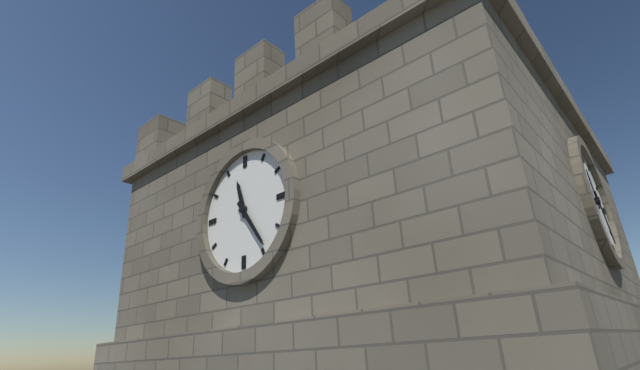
11:24
